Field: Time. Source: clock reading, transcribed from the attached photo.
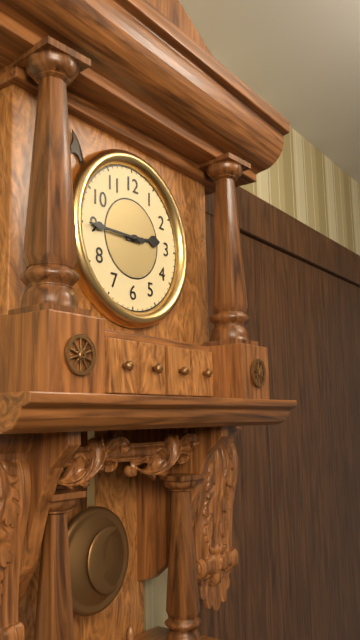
2:45
